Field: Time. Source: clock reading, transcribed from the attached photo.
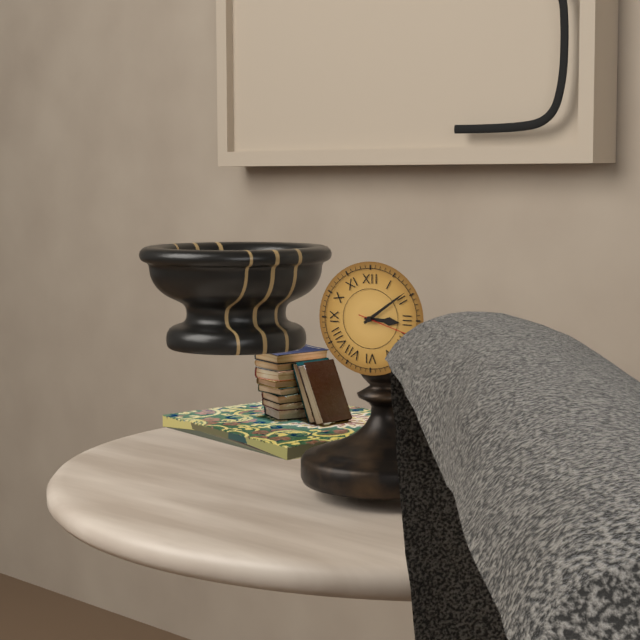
3:09:18
